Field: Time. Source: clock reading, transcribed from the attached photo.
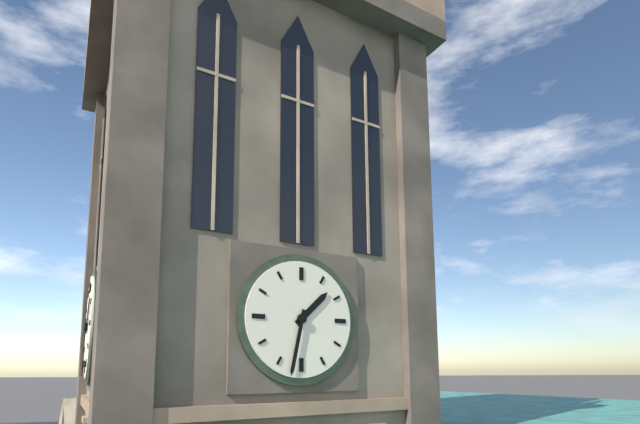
1:32
